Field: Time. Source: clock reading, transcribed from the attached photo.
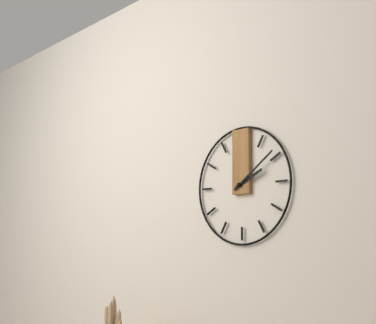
2:09
